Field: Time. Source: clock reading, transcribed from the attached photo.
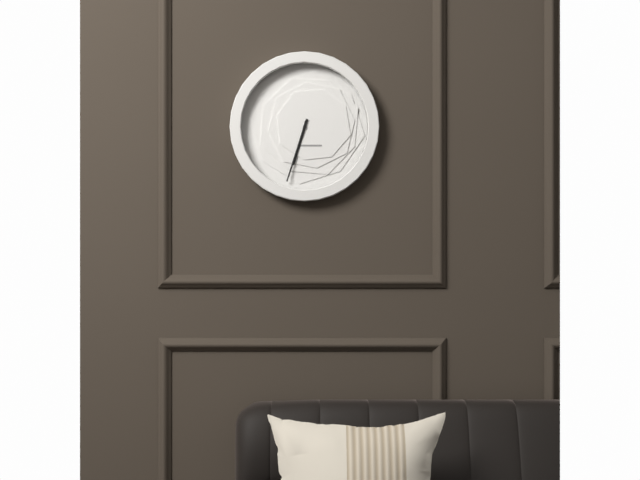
6:33
